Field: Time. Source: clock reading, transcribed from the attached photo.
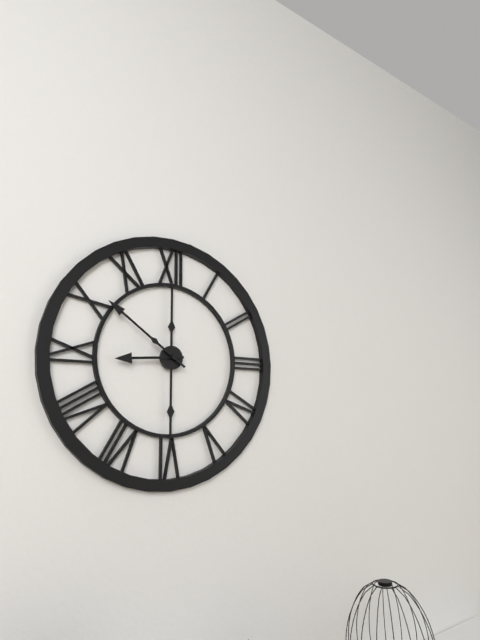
8:51
